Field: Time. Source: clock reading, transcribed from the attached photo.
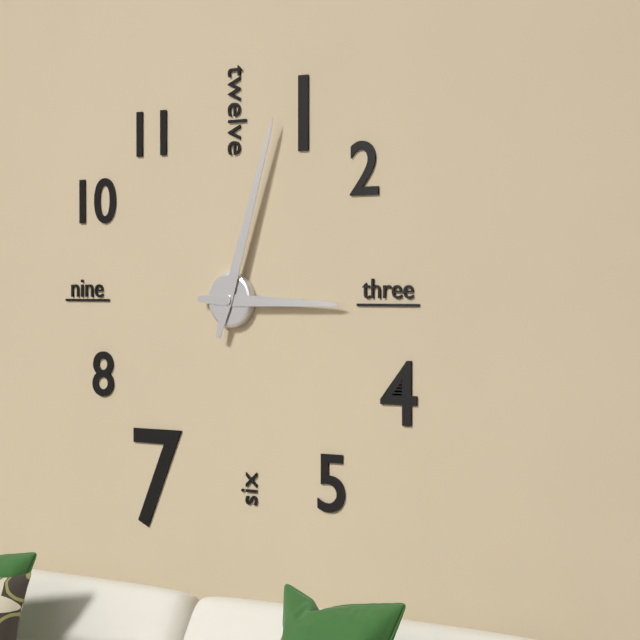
3:03
